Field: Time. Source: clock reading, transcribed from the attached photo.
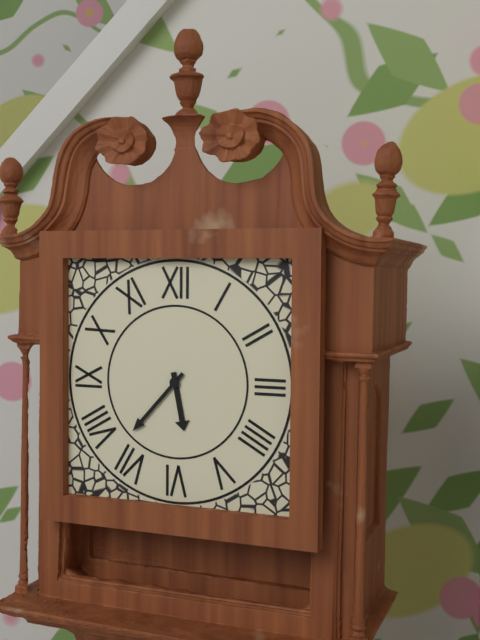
5:37
